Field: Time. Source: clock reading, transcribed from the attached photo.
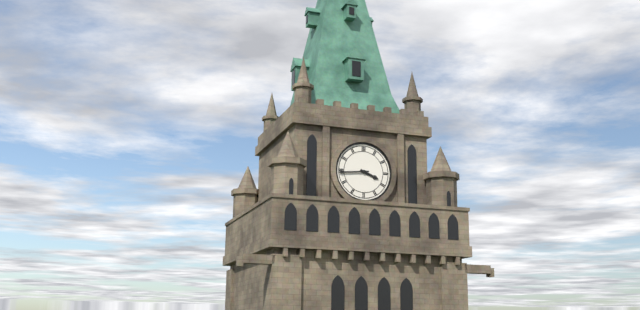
3:44
